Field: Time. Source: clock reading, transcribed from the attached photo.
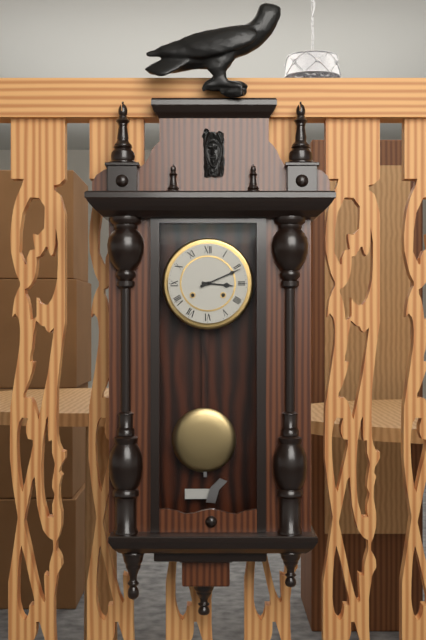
3:11
